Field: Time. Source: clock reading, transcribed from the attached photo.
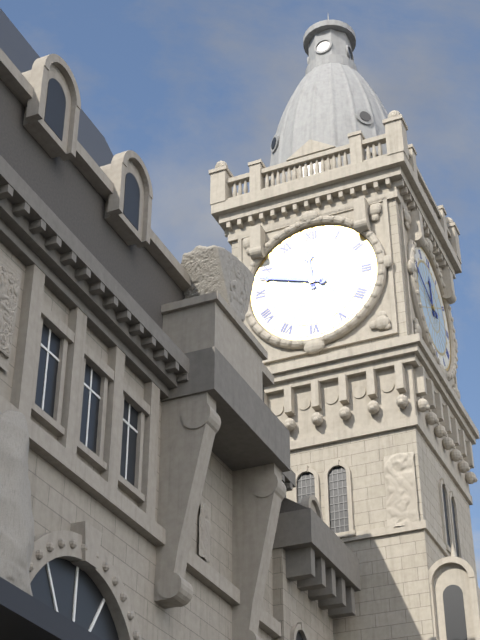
11:48
